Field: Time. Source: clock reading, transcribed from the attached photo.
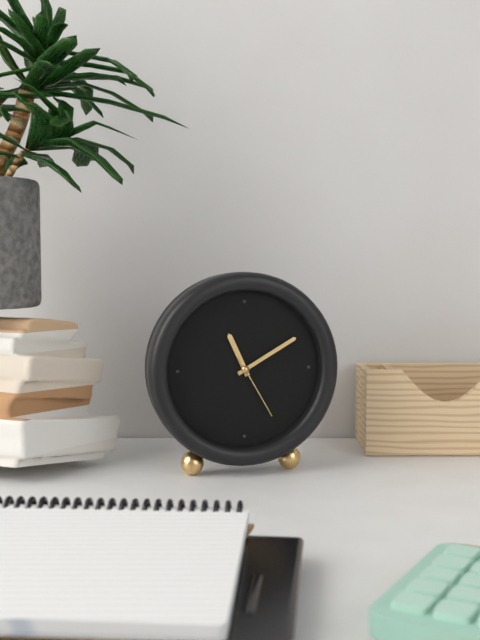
11:10:25
